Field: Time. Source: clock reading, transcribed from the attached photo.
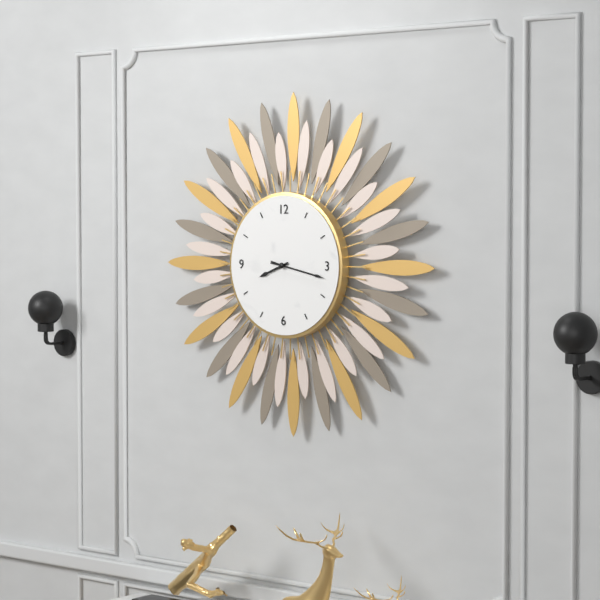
8:17
